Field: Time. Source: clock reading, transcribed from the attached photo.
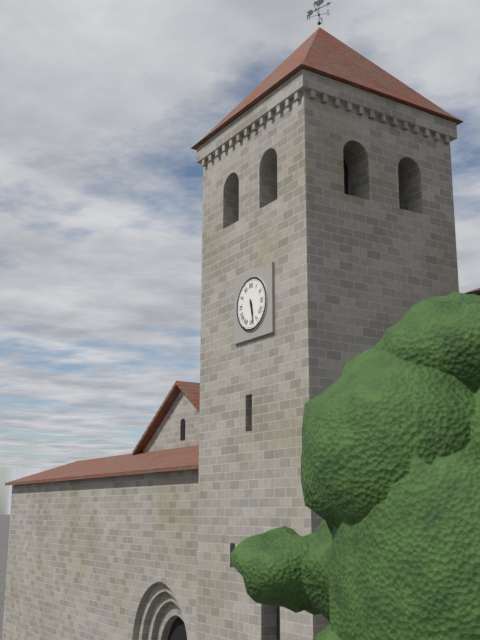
5:28
